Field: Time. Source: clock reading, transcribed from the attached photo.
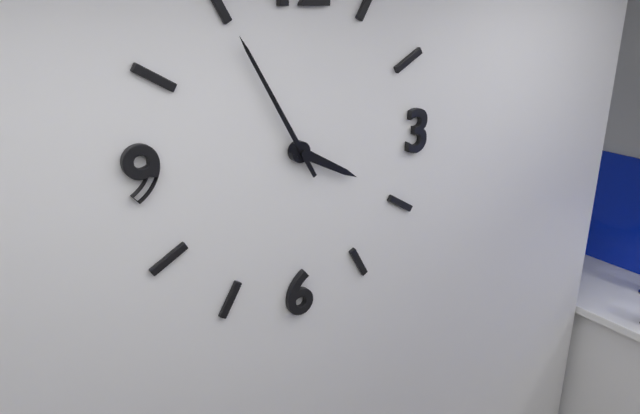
3:55
